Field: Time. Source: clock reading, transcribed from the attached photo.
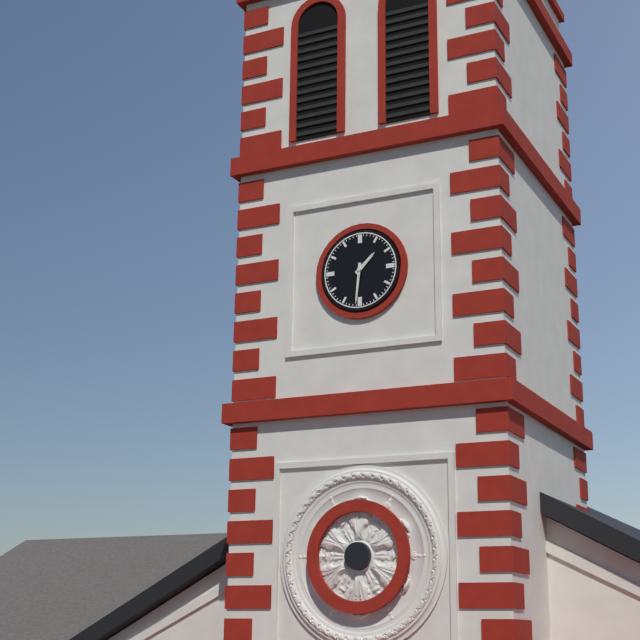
1:31
